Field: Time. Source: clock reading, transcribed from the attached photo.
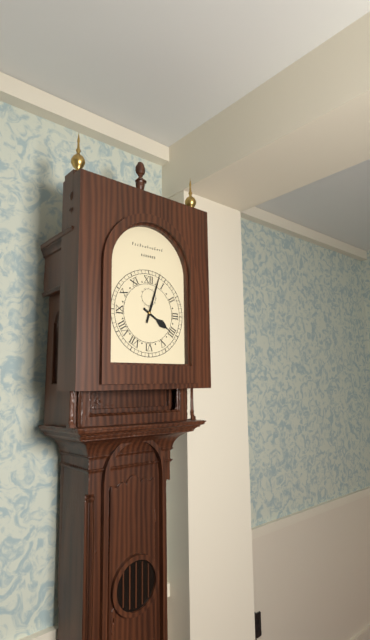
4:03
